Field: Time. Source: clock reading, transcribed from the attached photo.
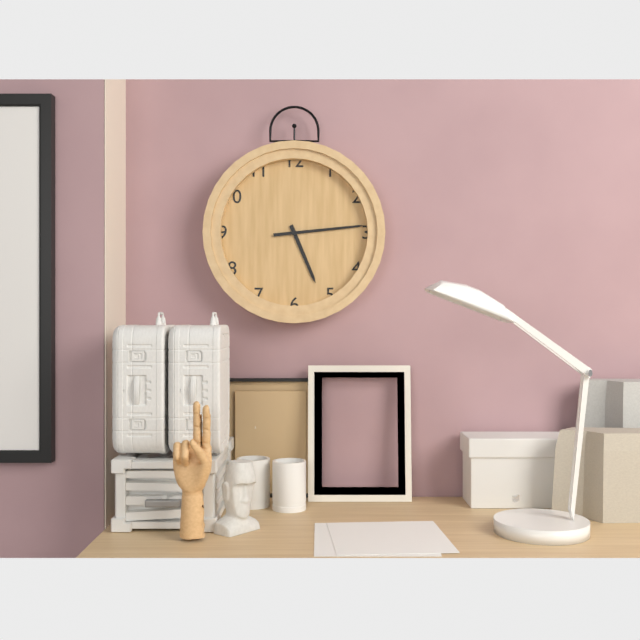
5:14
